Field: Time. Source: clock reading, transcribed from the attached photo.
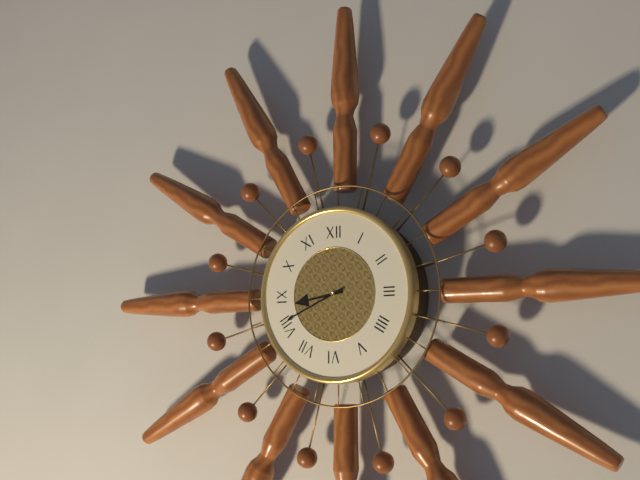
8:41
